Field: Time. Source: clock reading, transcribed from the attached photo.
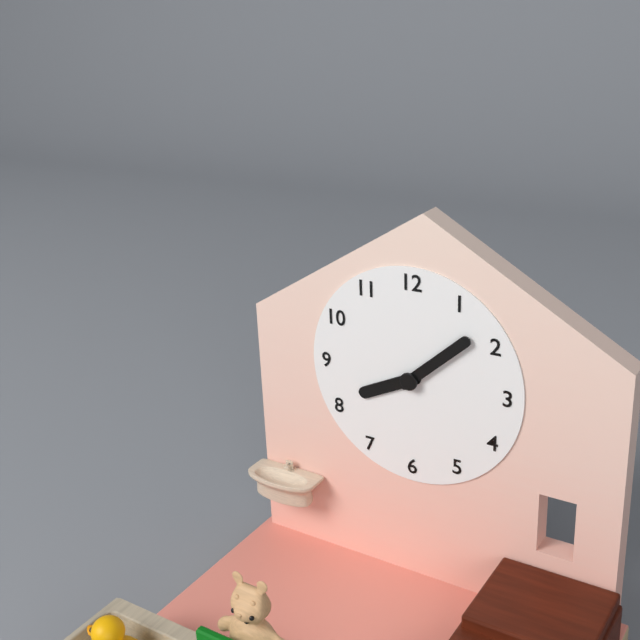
8:08
